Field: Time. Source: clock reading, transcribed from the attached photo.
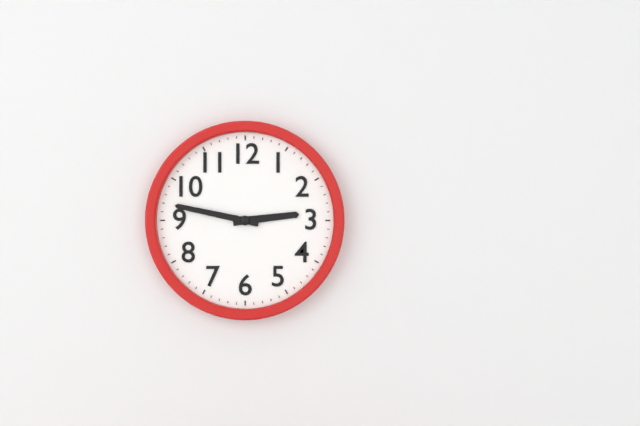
2:47
